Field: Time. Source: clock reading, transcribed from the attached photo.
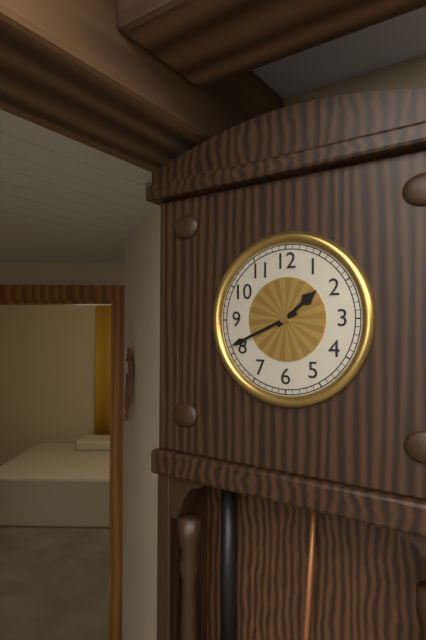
1:41
